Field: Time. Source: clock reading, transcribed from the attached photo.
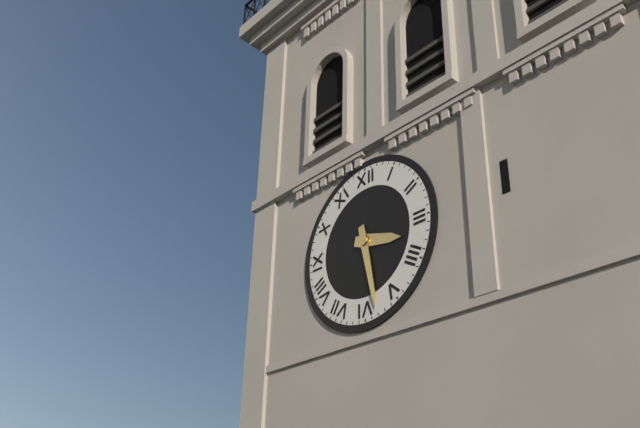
3:28
